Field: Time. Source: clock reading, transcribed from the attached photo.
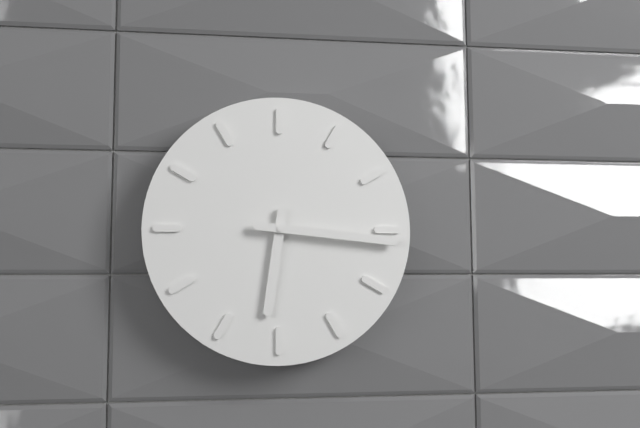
6:16
